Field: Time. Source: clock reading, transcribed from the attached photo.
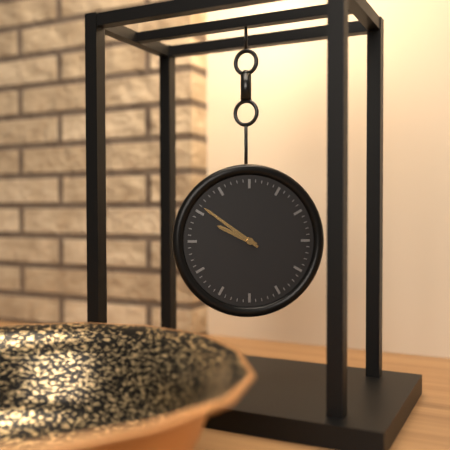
9:51
